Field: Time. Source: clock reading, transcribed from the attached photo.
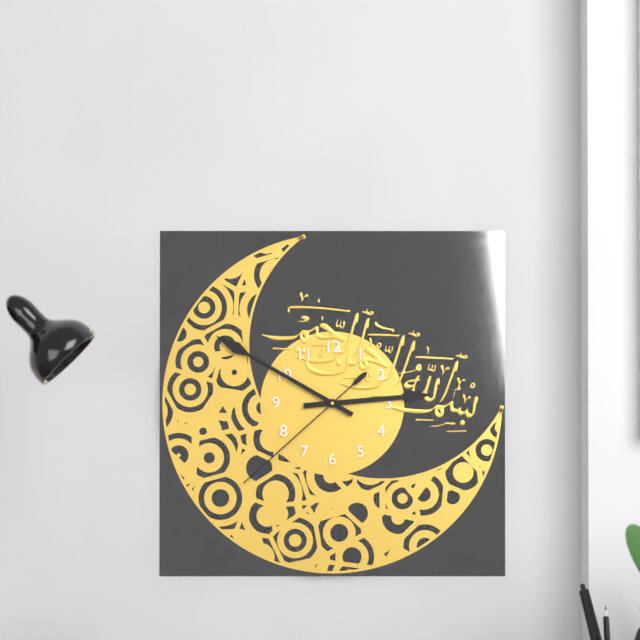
2:50:38
